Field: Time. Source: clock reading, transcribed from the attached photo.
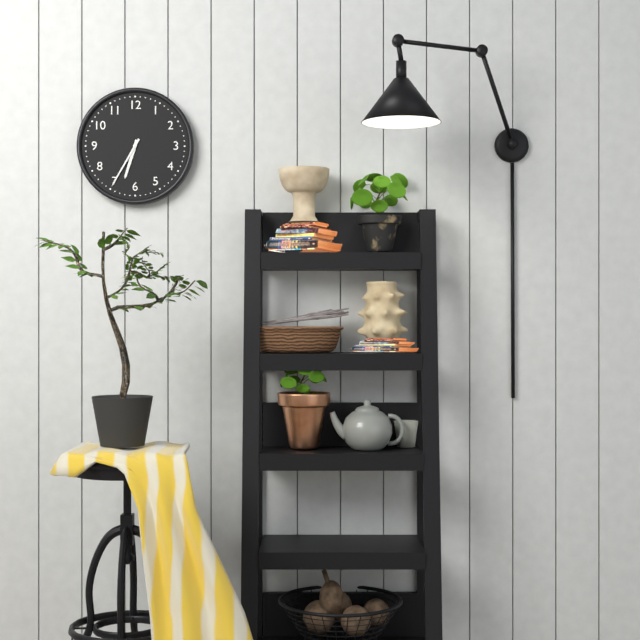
6:35
